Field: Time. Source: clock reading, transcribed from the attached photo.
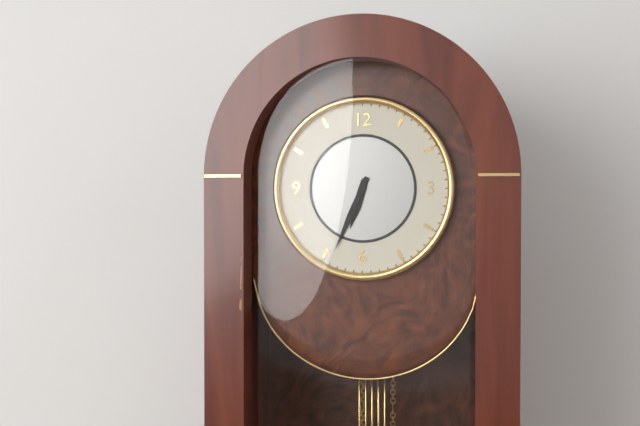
6:34
